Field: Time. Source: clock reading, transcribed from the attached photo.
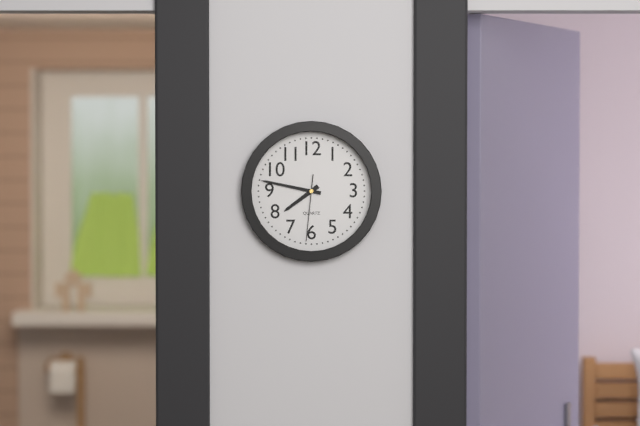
7:47:31
